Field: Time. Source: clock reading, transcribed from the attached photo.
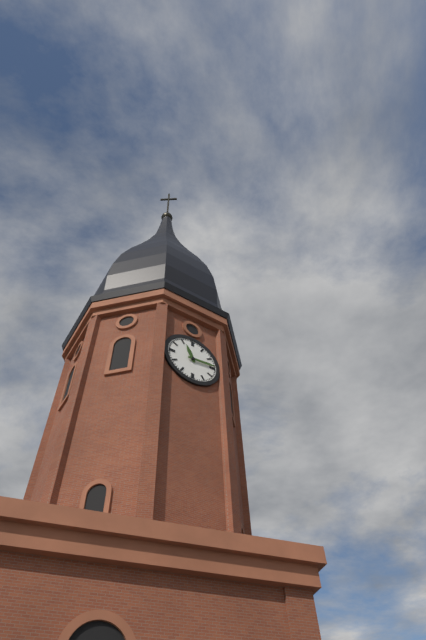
11:14
